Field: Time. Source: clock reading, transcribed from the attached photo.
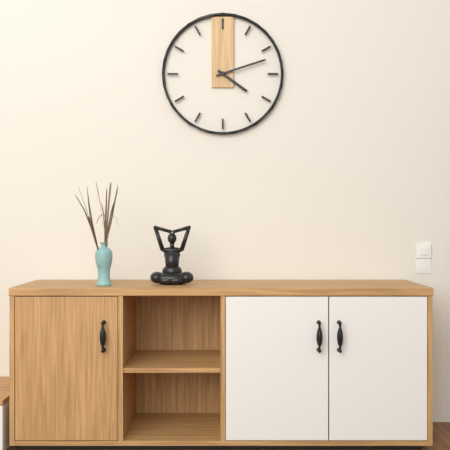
4:12
